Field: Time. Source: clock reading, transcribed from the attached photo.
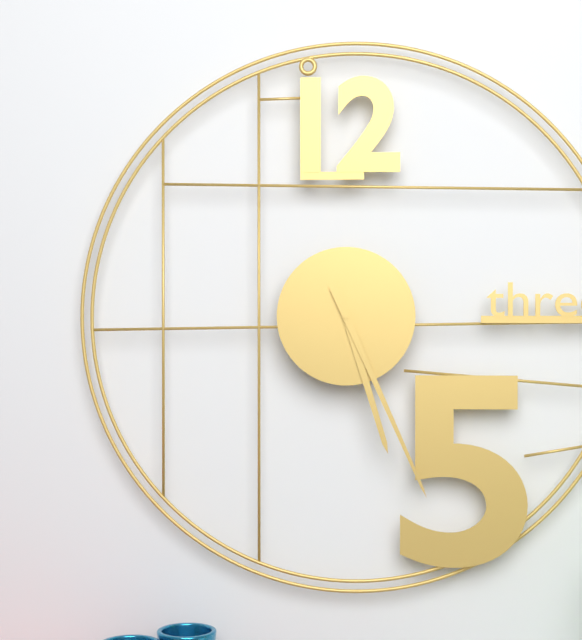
5:26
